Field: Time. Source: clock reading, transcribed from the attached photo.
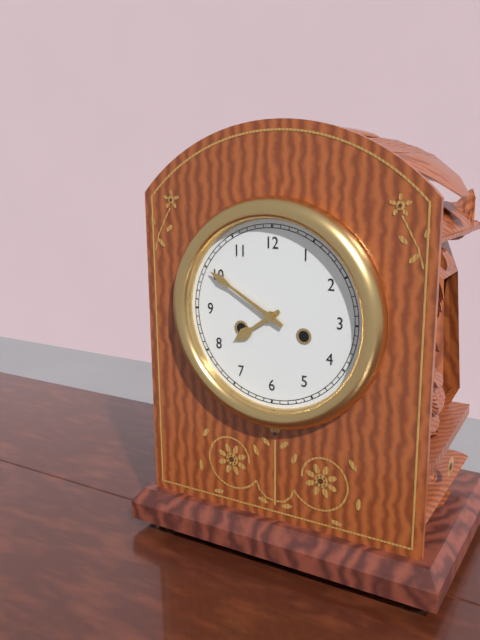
7:50
